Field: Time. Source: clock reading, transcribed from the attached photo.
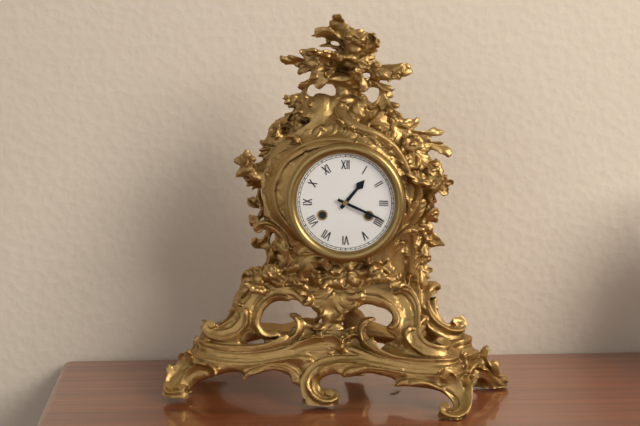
1:19
